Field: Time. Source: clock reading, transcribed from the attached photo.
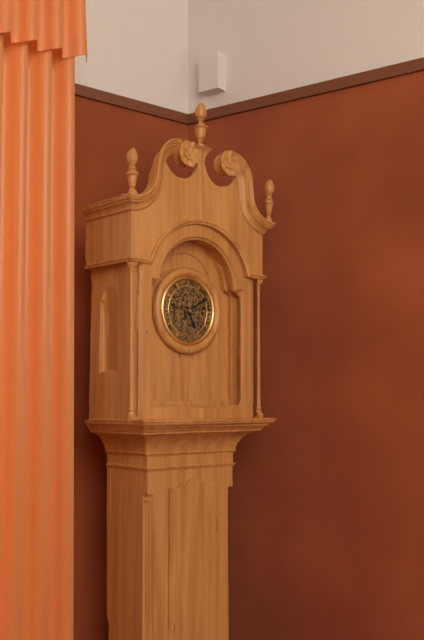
5:10
